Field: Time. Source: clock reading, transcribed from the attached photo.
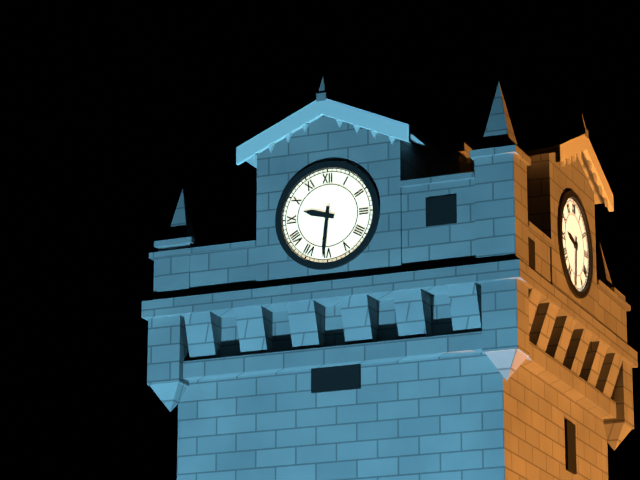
9:31
